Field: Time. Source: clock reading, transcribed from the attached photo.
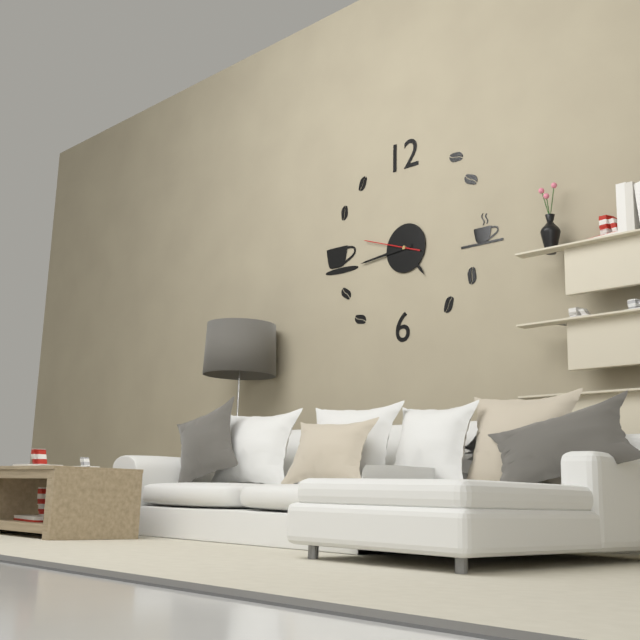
4:44:48
